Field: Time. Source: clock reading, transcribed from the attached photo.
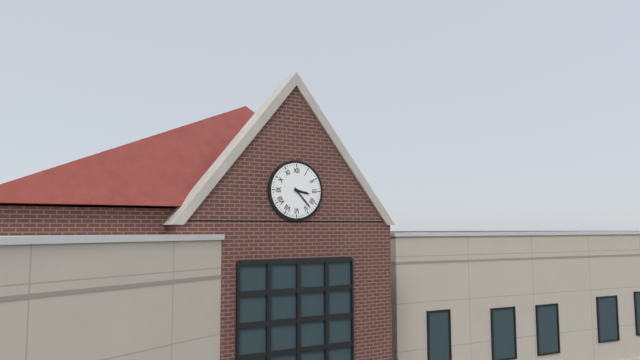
3:23
